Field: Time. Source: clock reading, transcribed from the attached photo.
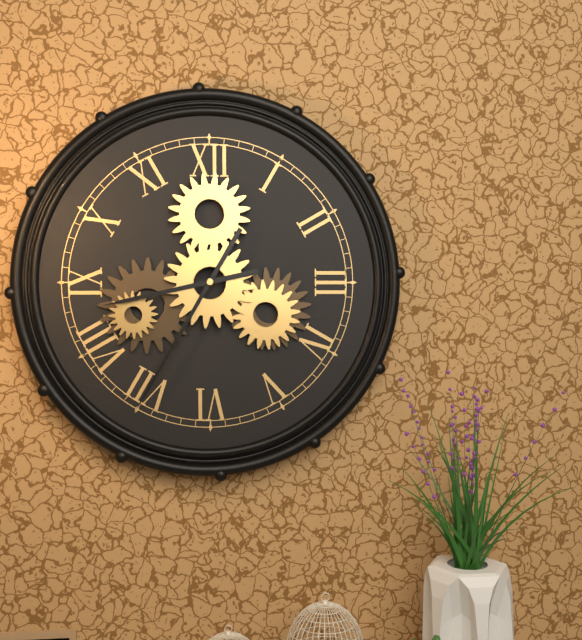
8:35
